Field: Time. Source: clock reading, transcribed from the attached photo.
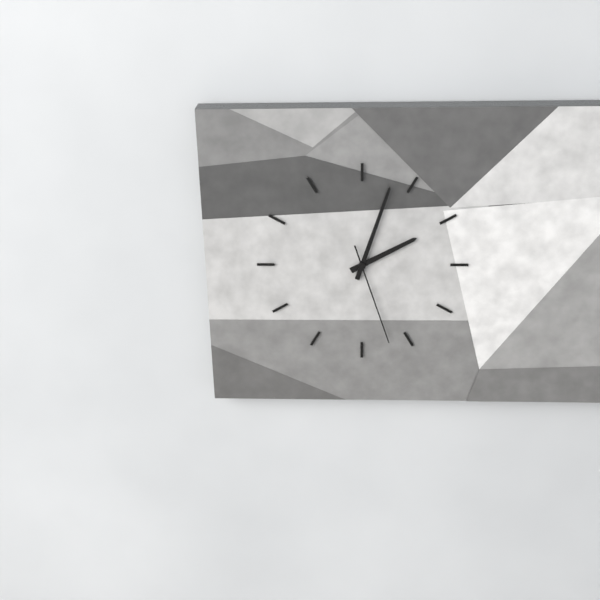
2:03:27
